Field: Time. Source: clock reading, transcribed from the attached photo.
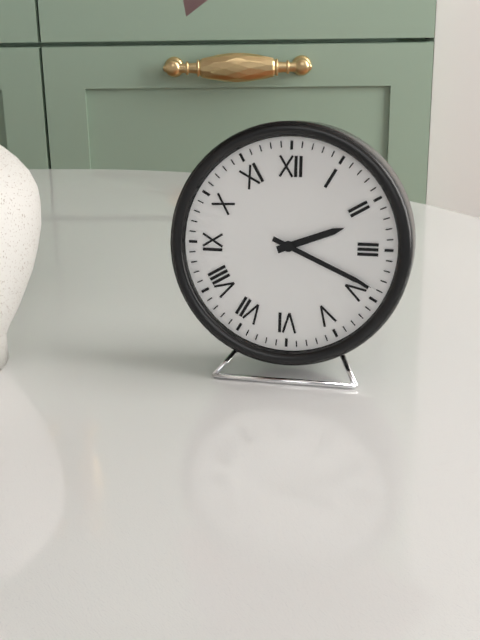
2:19
